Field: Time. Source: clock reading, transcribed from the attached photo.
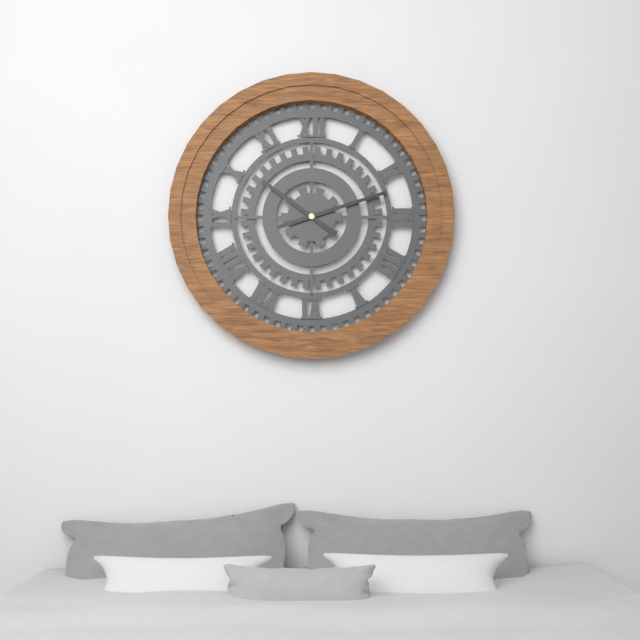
10:12
